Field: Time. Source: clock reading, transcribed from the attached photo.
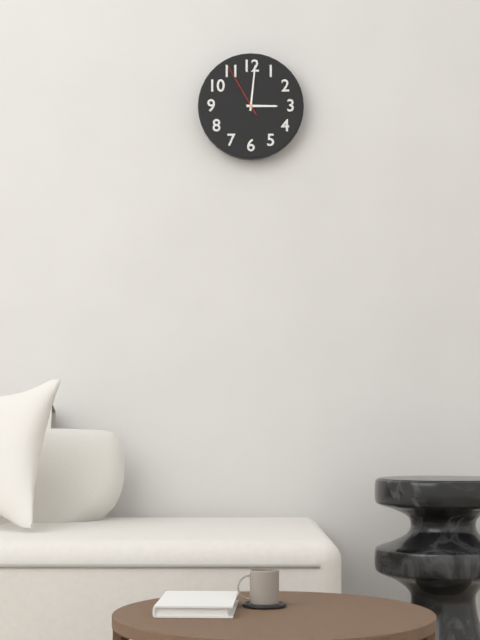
3:01:55
